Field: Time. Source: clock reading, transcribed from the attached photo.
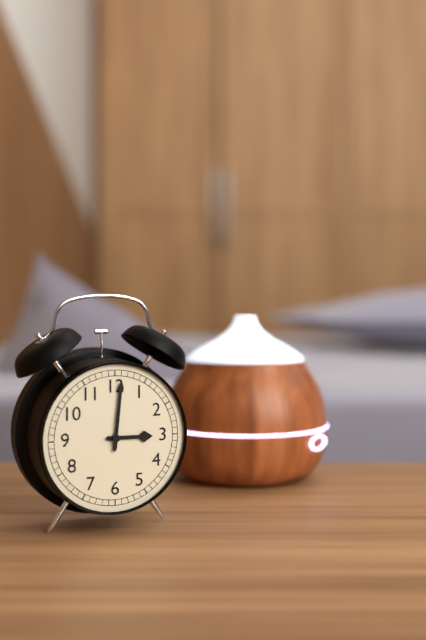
3:01
